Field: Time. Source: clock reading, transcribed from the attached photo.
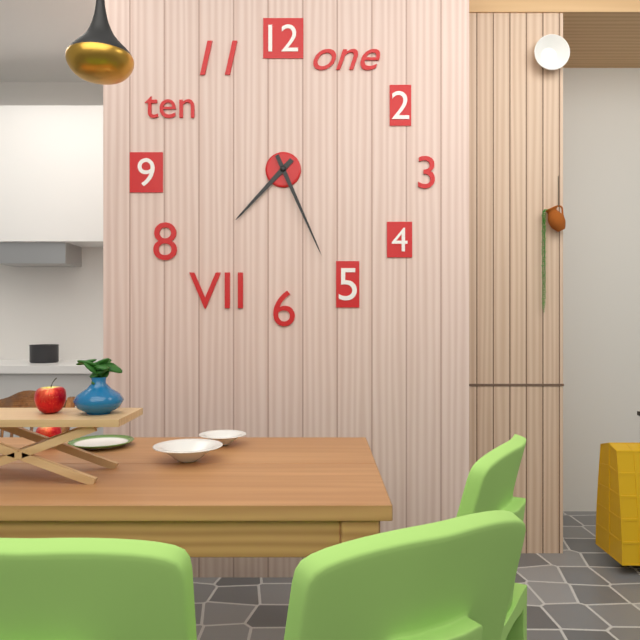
7:26
